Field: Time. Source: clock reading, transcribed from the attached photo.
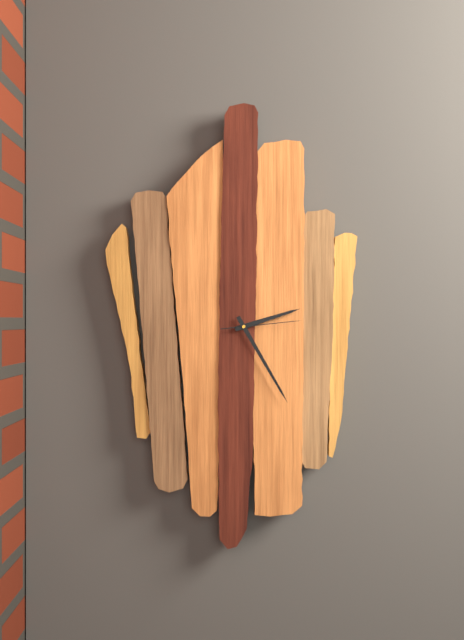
2:25:14
